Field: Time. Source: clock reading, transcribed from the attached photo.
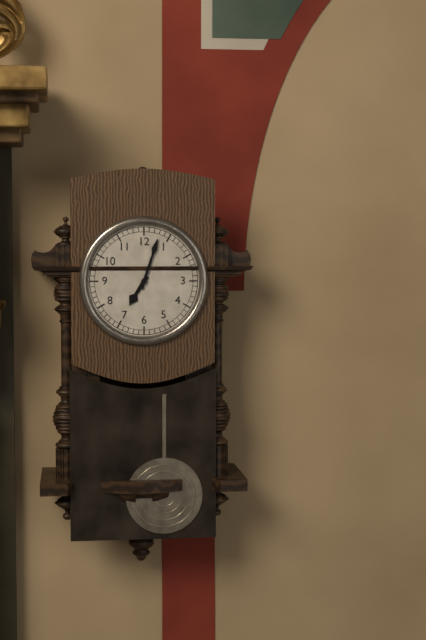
7:03
